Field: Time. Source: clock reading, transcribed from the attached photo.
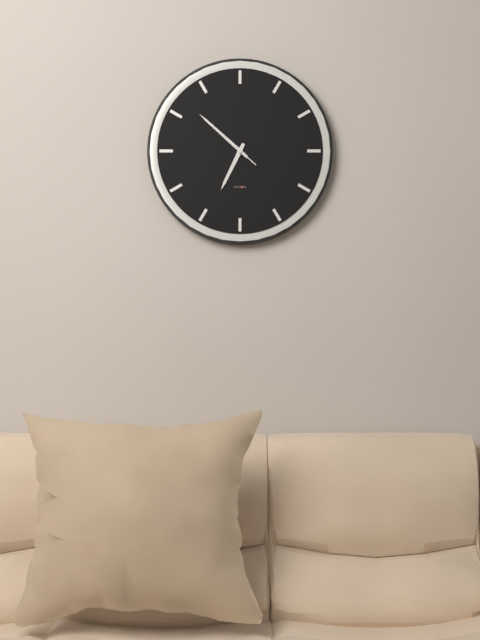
6:52:52
